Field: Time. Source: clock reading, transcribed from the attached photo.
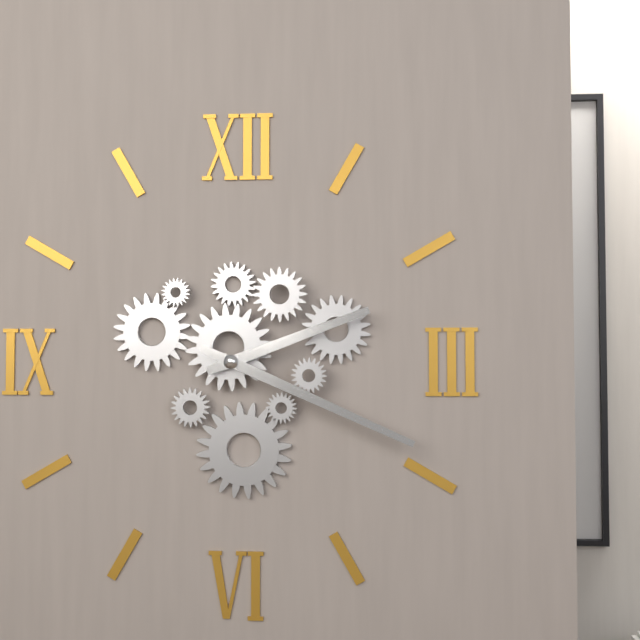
2:19
